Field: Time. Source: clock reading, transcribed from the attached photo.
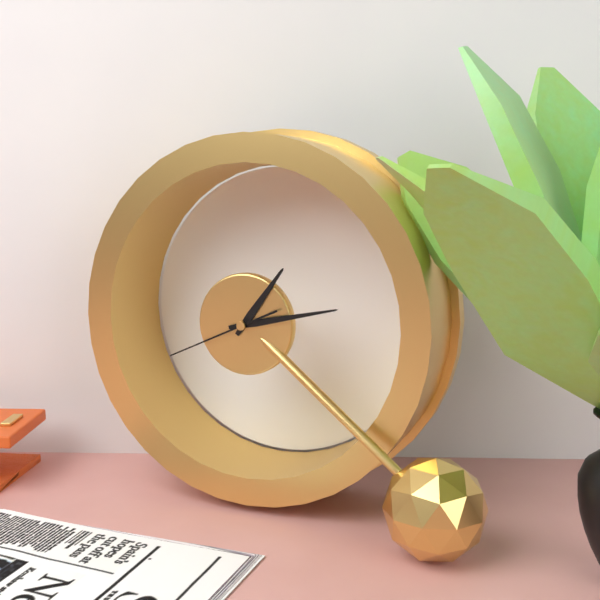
1:13:41
